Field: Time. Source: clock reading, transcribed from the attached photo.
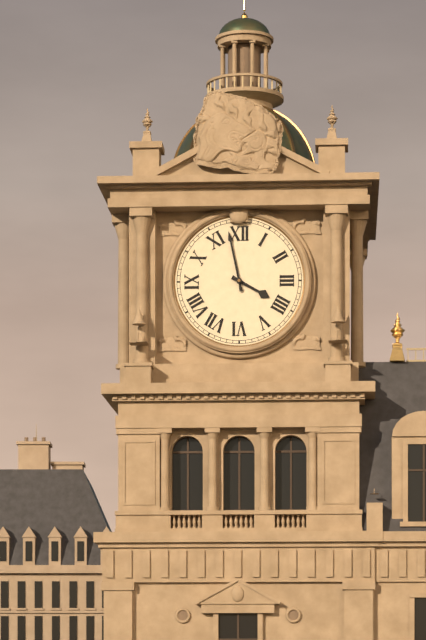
3:58
